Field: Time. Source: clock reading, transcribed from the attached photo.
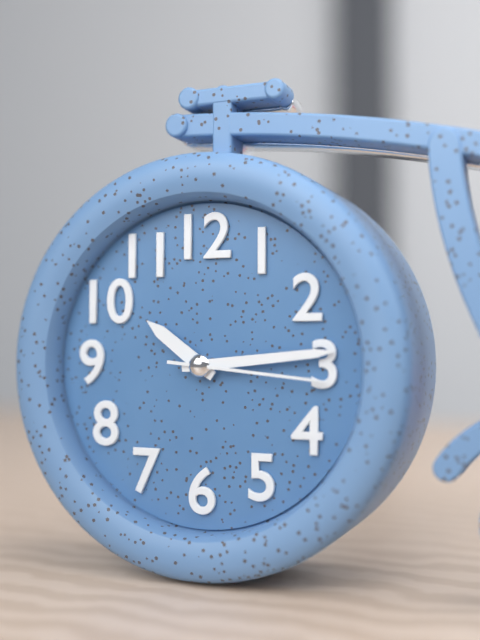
10:14:16
